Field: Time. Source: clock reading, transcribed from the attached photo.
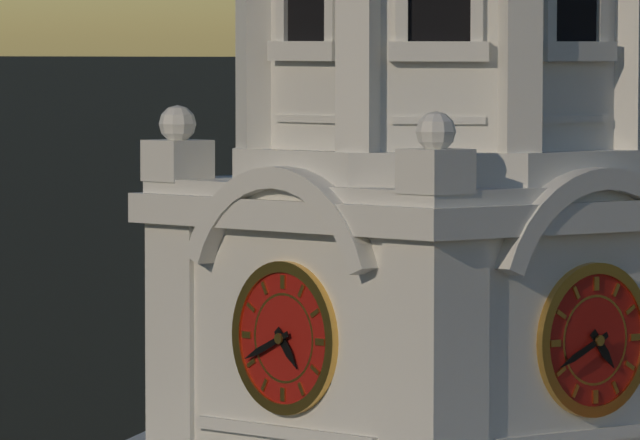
4:41
